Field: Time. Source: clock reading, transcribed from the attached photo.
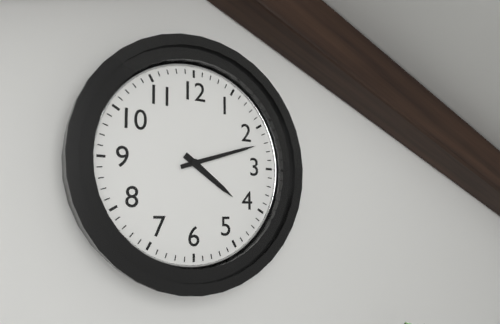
4:12
